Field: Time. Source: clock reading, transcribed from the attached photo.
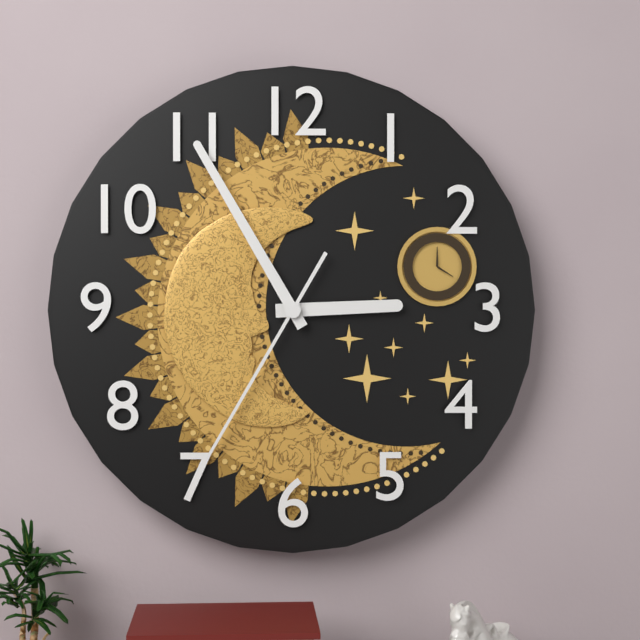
2:55:35
